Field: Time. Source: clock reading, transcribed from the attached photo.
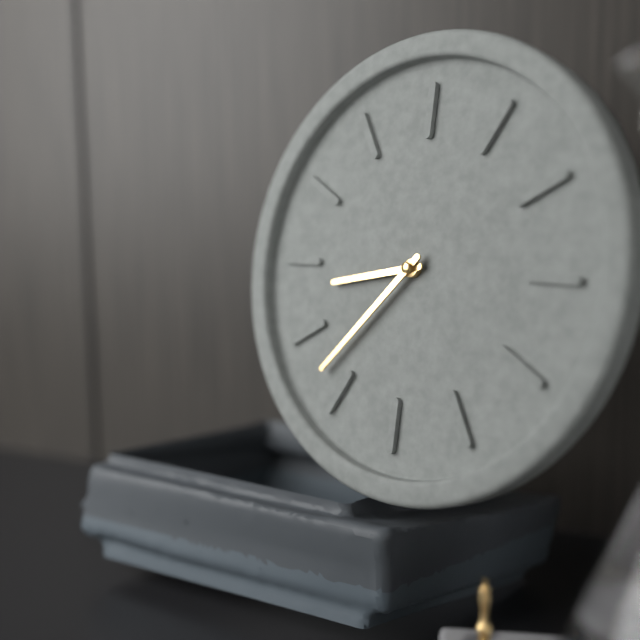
8:37
